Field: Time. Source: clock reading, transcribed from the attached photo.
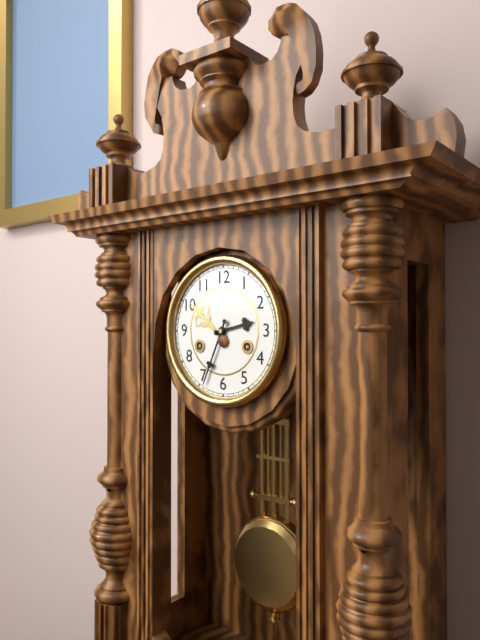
2:34
